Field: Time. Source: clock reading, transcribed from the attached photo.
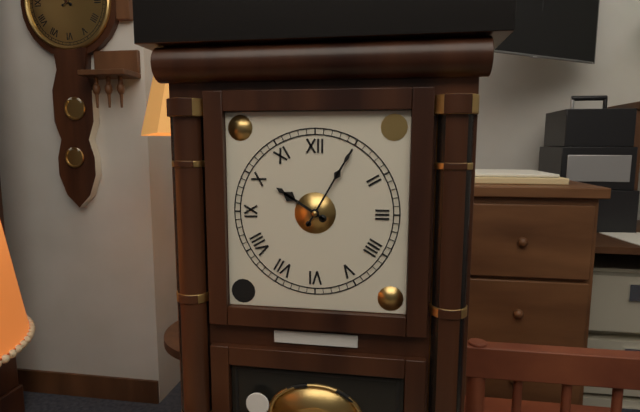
10:05
